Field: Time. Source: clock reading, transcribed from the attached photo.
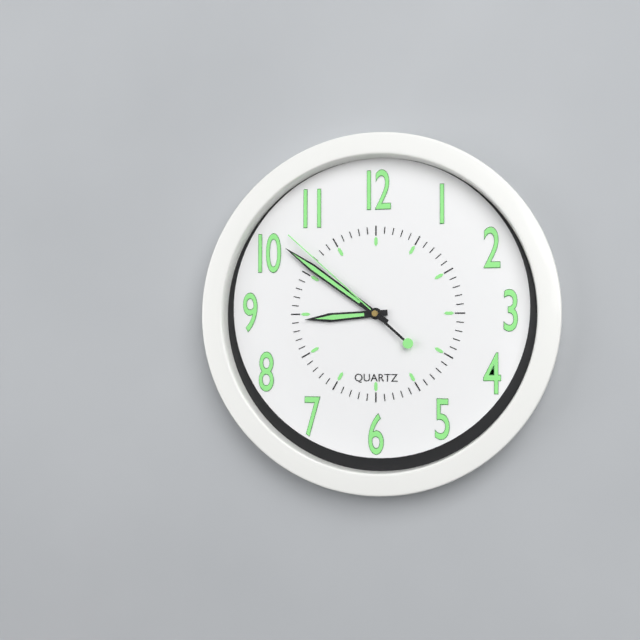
8:51:52
